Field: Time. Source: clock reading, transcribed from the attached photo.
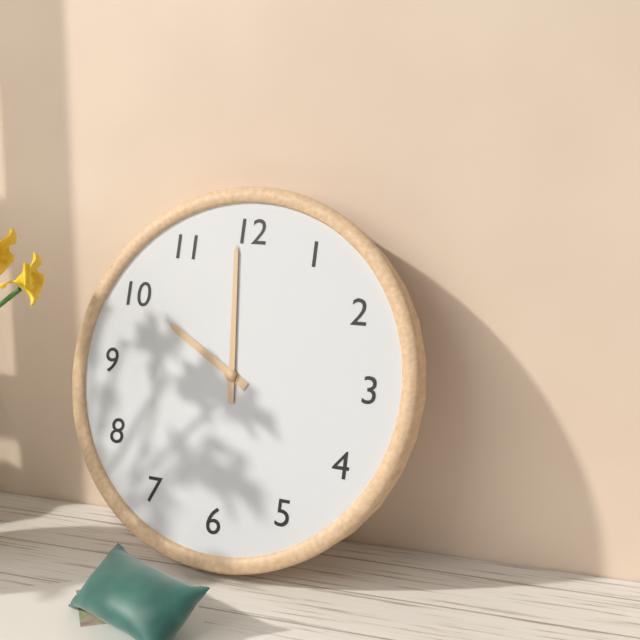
9:59
